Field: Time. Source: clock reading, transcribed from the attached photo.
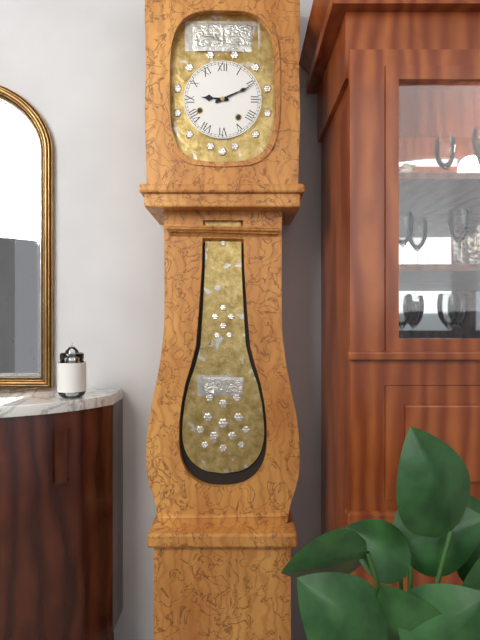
9:11
